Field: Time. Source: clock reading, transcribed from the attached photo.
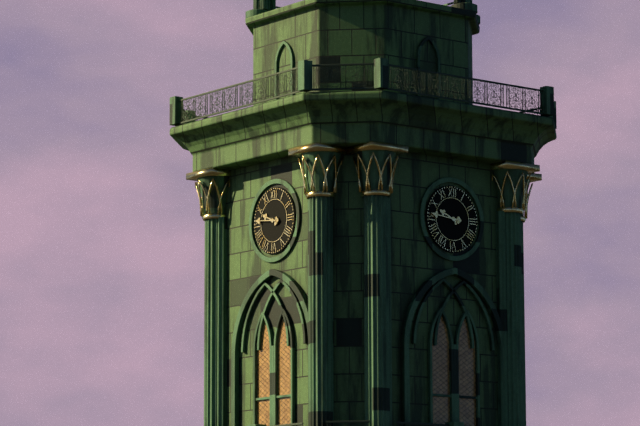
9:46
